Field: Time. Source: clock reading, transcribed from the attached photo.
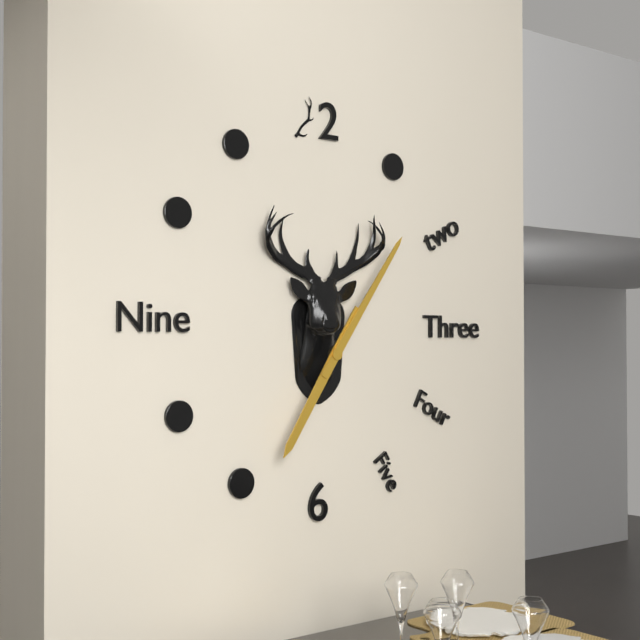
7:06
